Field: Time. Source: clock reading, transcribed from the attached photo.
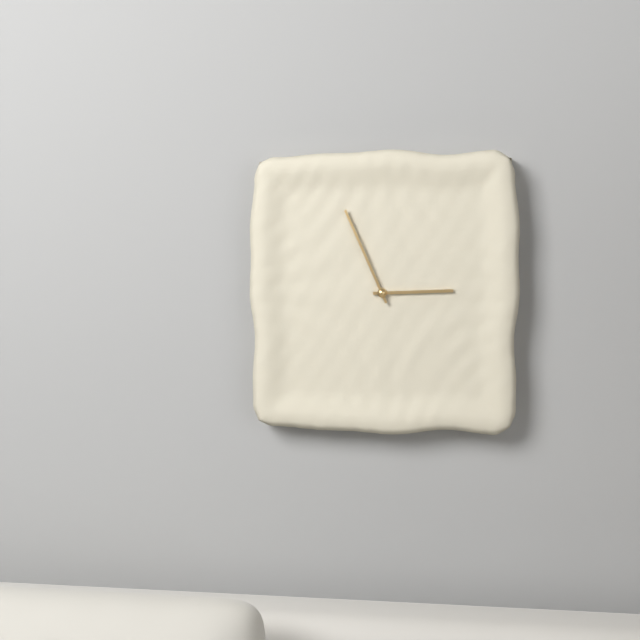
2:56
